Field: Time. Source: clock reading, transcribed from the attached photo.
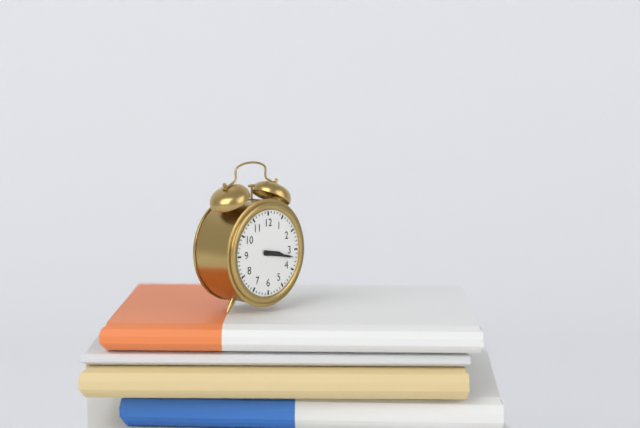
3:17
